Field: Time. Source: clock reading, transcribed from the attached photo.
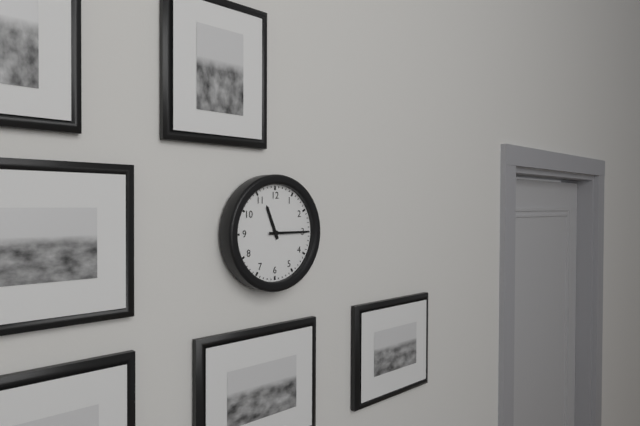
11:15
